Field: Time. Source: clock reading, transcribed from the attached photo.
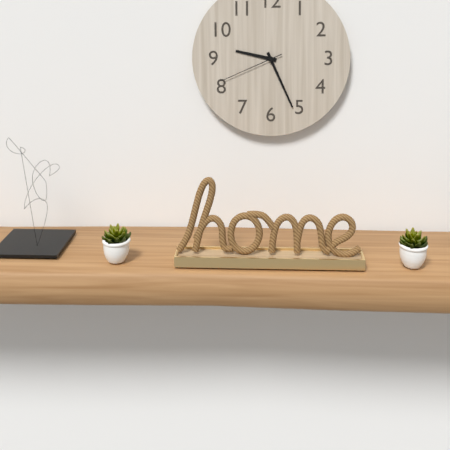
9:26:41
